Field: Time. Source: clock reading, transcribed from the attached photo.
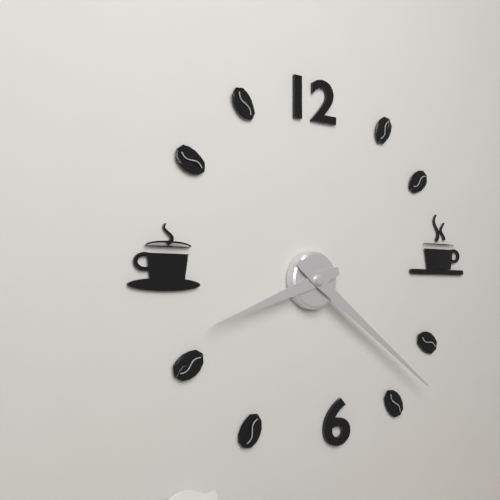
8:21
